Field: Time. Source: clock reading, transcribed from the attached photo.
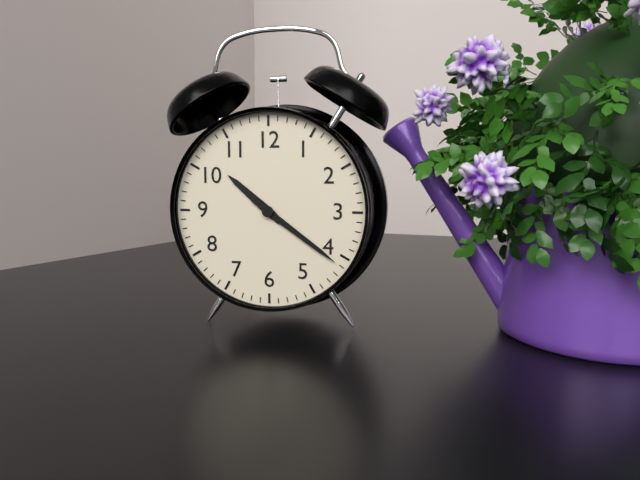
10:21
